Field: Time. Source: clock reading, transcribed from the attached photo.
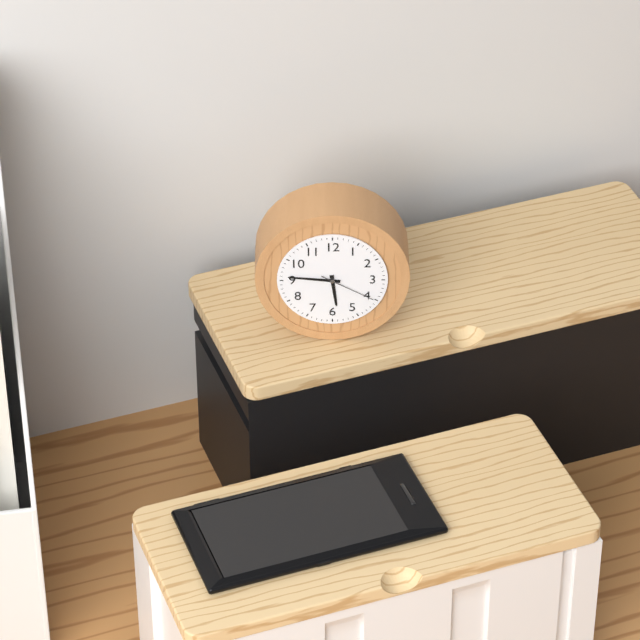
5:46:20
